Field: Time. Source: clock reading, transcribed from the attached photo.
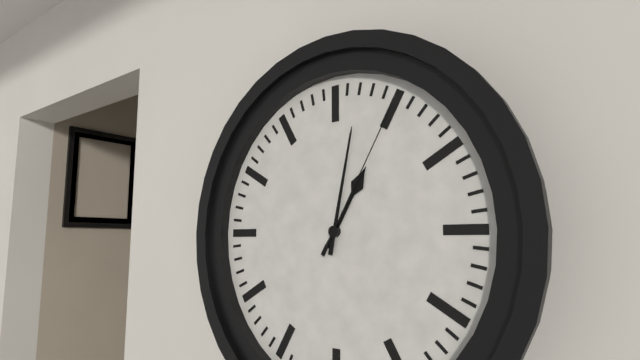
1:02:05
